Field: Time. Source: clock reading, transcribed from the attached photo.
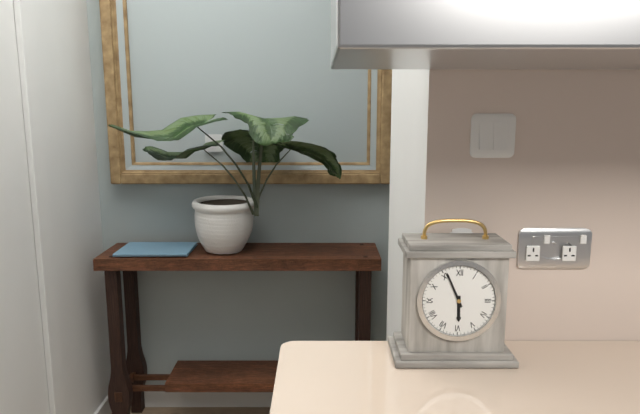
5:56
